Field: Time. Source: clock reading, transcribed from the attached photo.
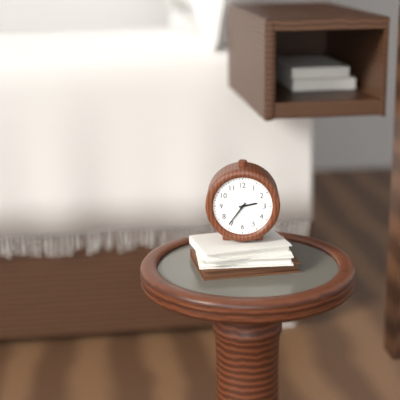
2:36
